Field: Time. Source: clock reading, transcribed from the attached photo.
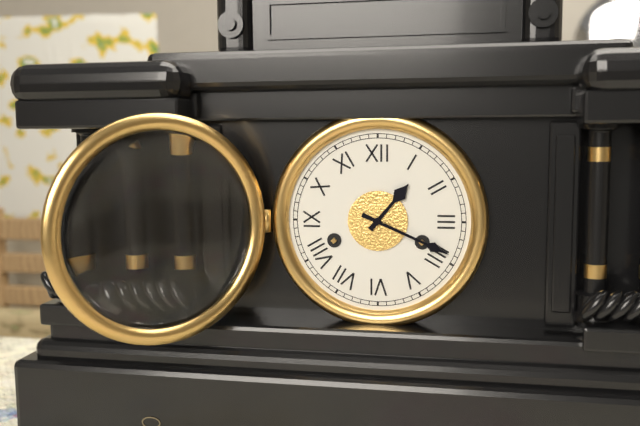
1:19
